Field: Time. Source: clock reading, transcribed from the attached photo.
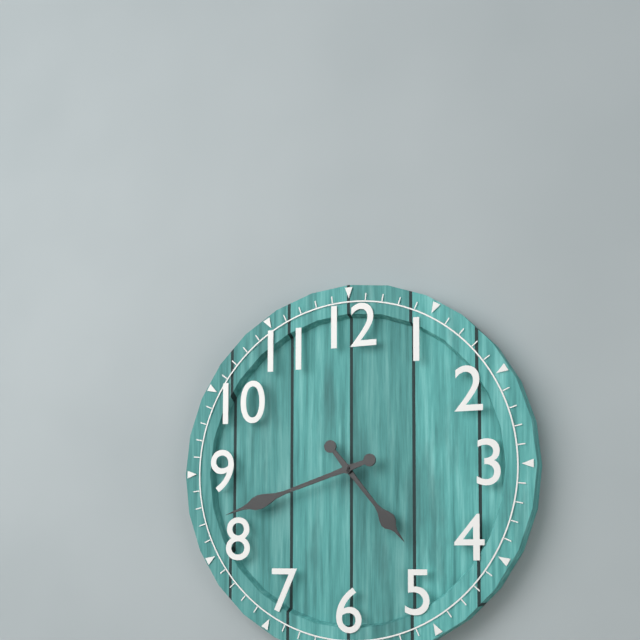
4:42
